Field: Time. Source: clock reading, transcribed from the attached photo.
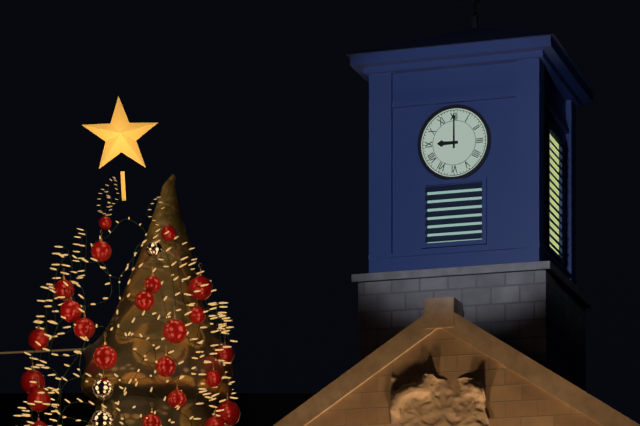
9:00
